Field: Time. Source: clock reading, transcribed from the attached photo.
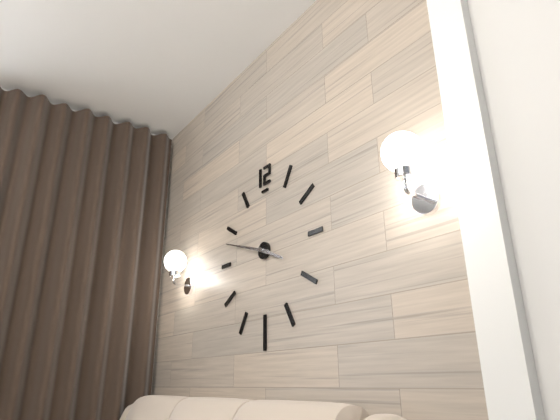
3:48
